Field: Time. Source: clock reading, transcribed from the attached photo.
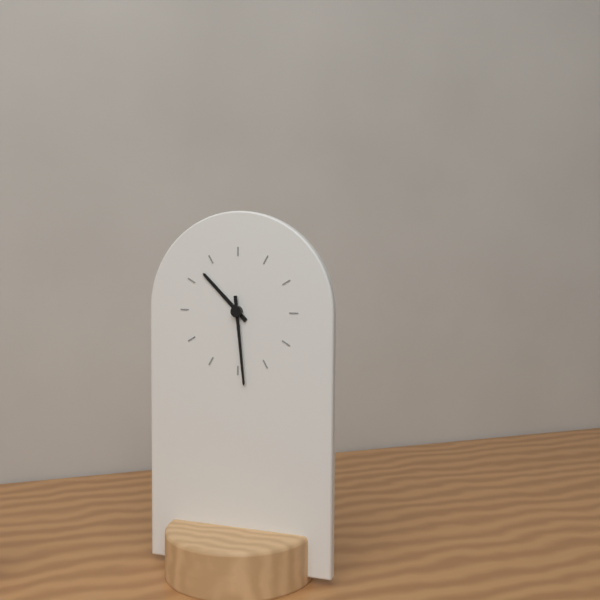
10:29
